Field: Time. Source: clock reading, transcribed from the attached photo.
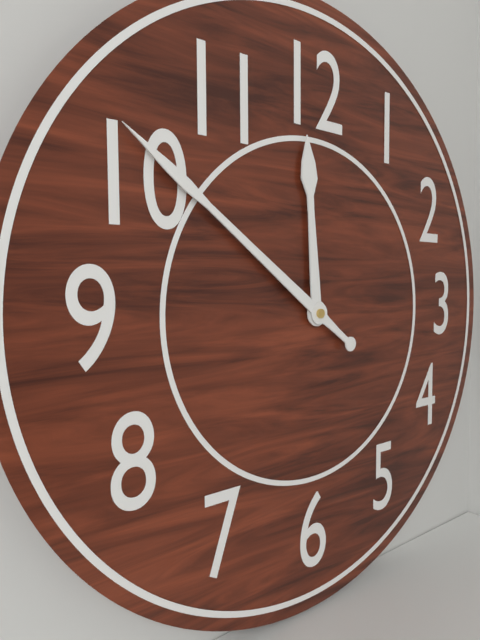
11:51
